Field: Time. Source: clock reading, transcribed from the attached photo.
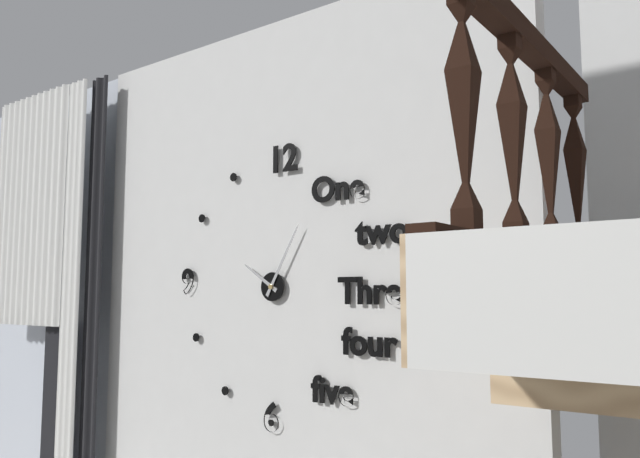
10:05
